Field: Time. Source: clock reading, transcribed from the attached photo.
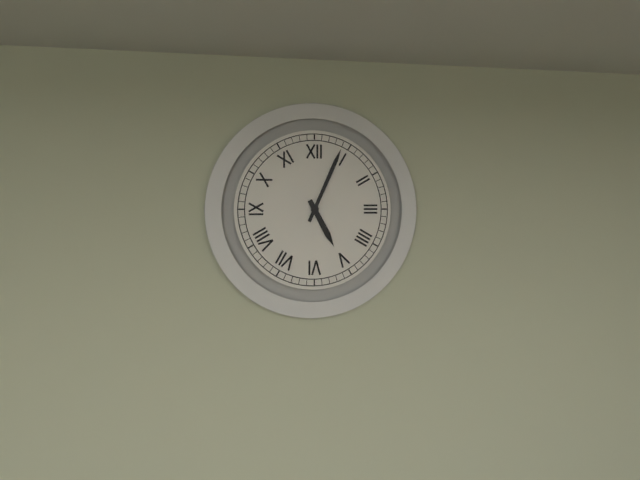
5:04
